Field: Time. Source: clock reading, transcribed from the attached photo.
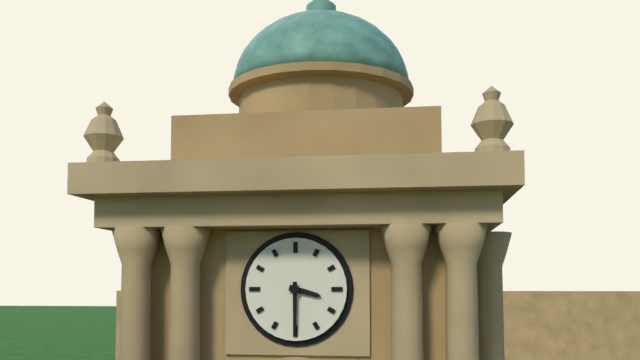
3:30
